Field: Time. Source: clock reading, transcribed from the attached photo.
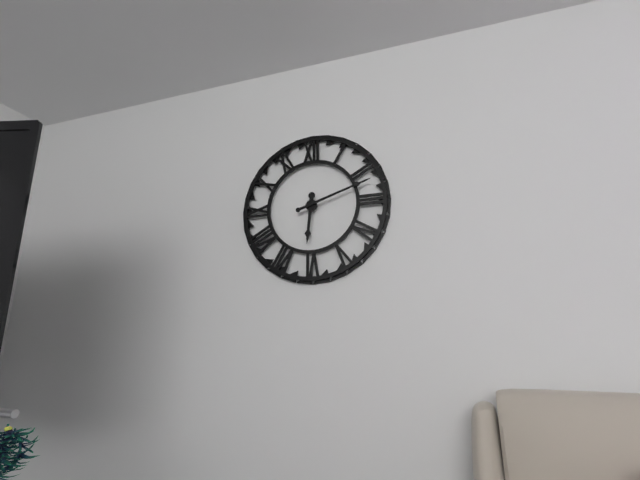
6:12
